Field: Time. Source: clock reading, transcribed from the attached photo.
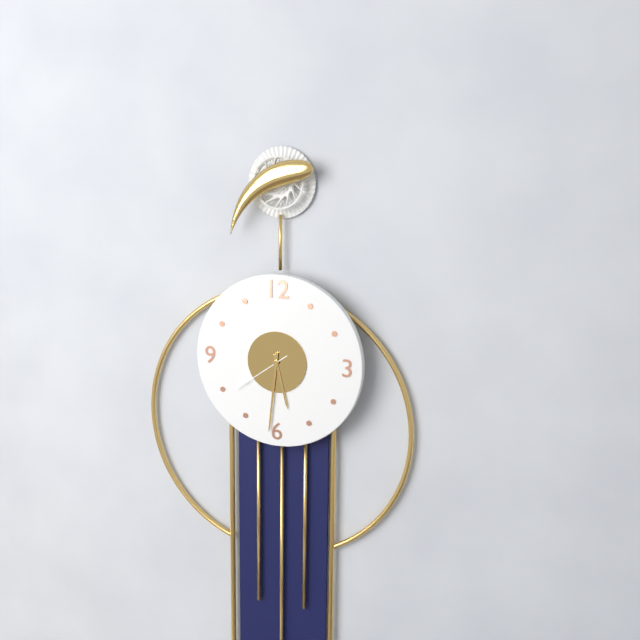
5:31:39
